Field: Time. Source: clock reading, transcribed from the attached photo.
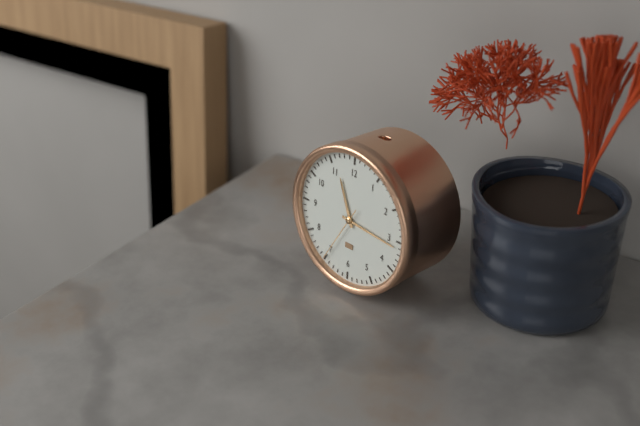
11:16:35
